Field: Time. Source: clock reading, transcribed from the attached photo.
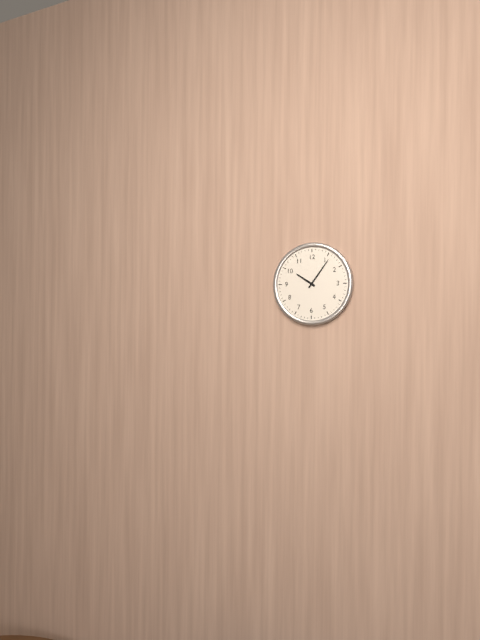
10:06
